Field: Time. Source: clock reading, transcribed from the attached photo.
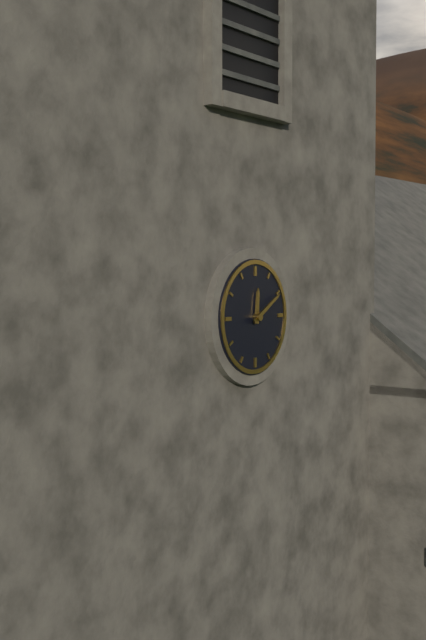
12:10
